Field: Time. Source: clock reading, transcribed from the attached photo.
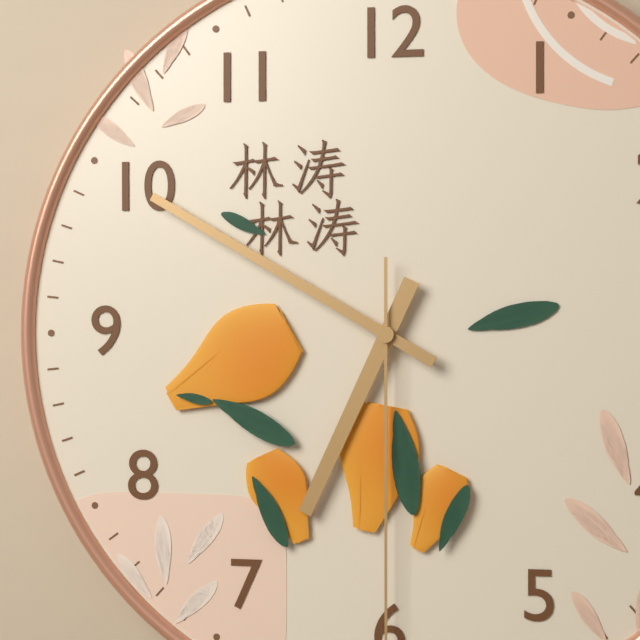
6:50
